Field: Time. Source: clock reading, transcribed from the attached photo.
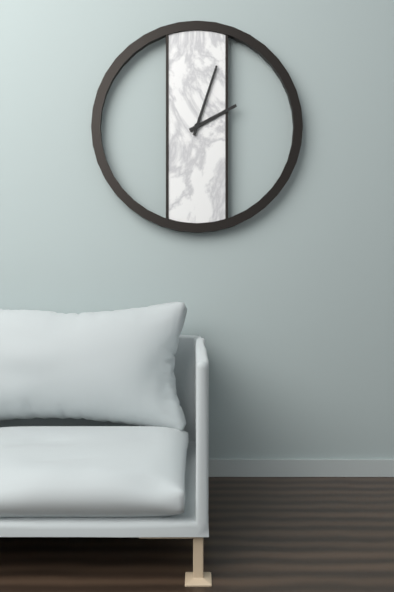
2:03
